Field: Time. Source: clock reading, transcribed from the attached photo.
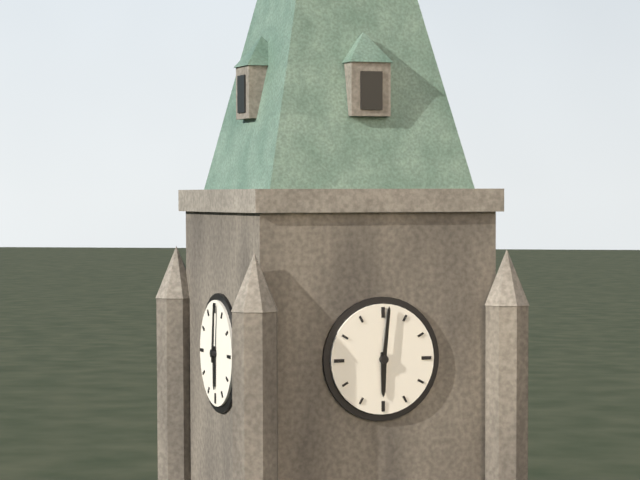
6:01
